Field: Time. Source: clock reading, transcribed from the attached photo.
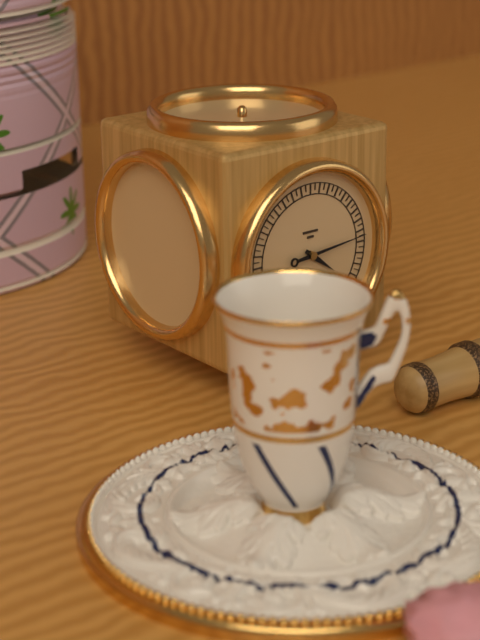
4:14
